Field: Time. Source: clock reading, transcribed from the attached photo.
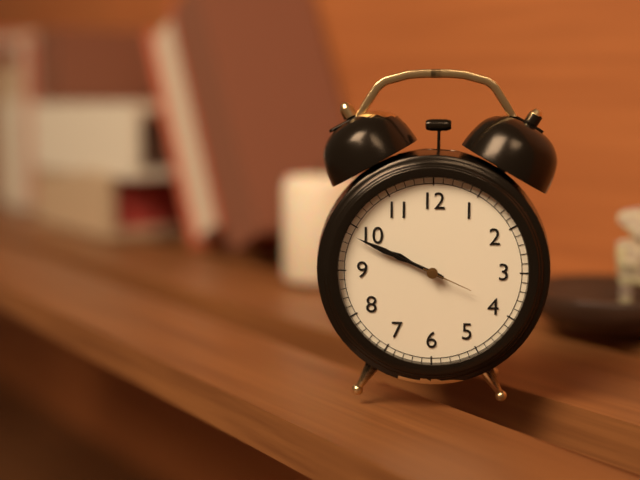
9:49:19
